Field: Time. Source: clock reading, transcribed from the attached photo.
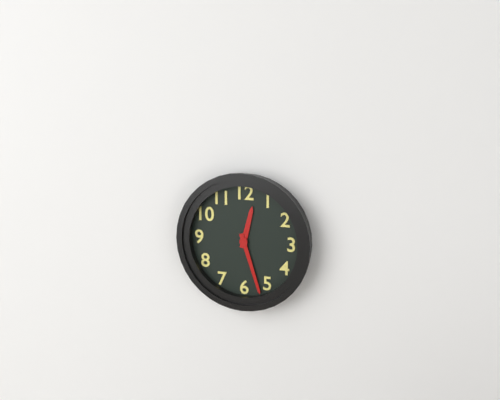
12:27
